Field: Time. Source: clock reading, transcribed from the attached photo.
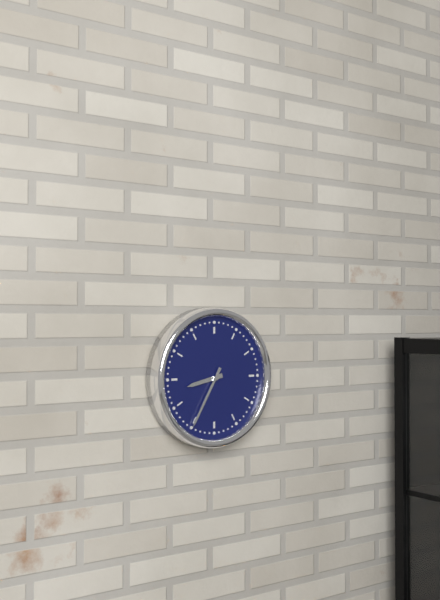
8:35
